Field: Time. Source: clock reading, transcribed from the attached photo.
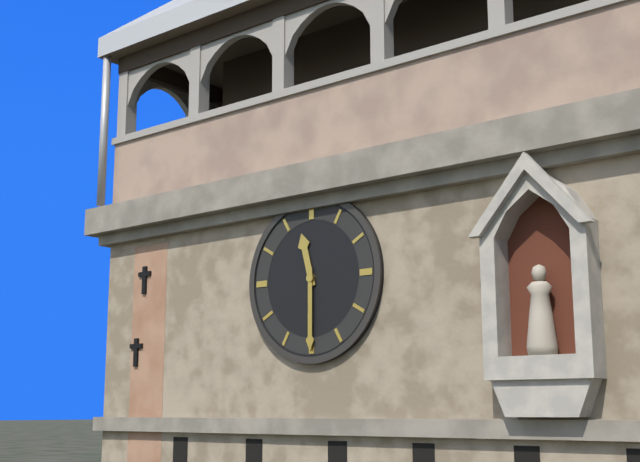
11:30
